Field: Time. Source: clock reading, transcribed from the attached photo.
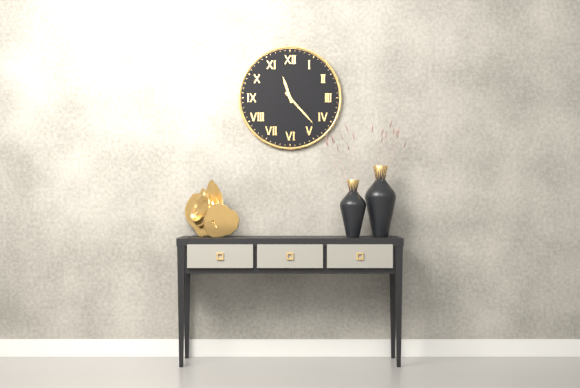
11:23
